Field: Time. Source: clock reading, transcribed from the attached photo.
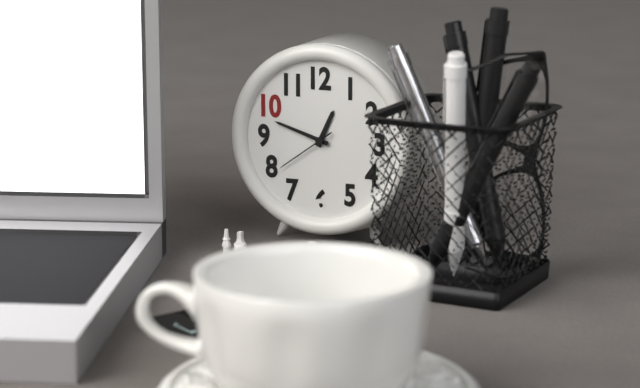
12:48:39
